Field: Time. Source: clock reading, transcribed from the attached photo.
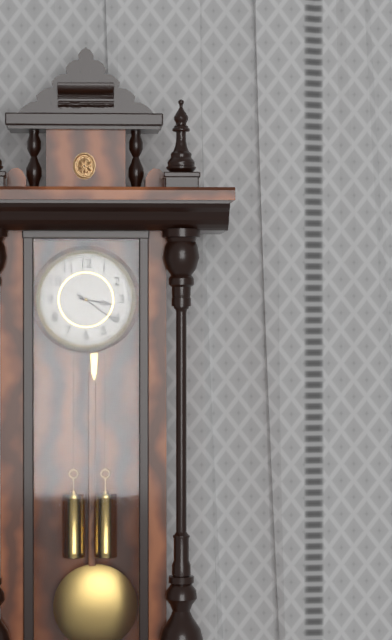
3:21
